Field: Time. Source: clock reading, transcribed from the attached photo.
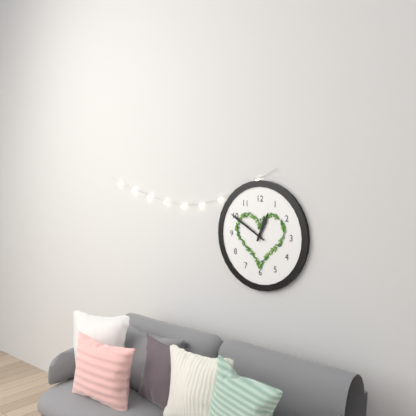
12:50
